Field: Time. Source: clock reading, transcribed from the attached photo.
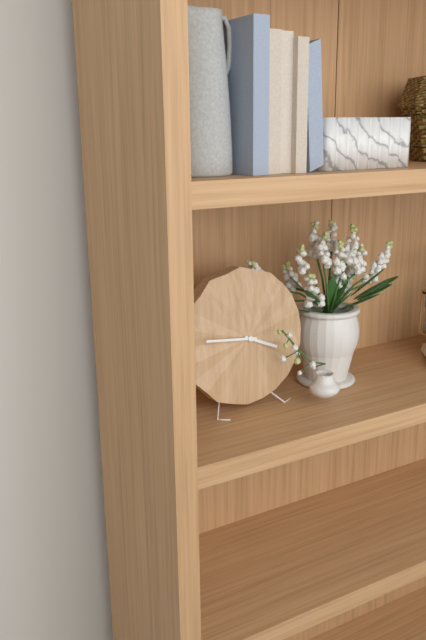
3:46
